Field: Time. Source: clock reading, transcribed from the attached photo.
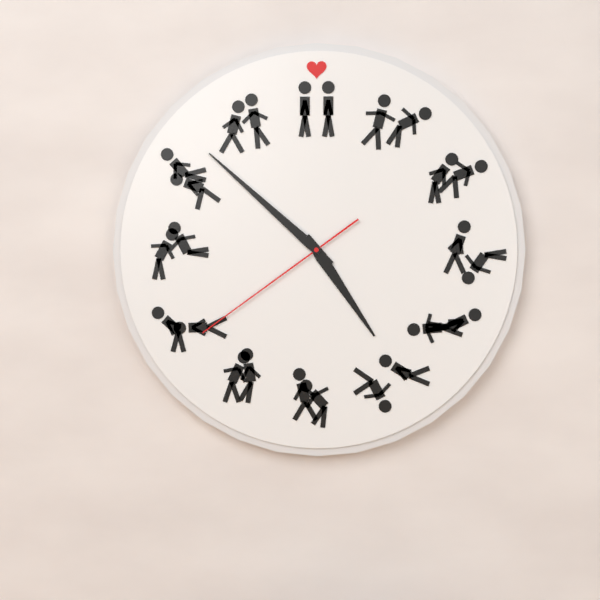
4:52:39
